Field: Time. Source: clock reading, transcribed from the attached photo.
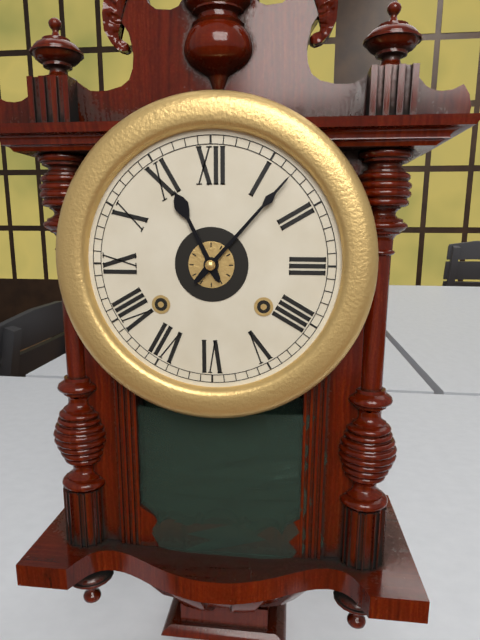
11:07
